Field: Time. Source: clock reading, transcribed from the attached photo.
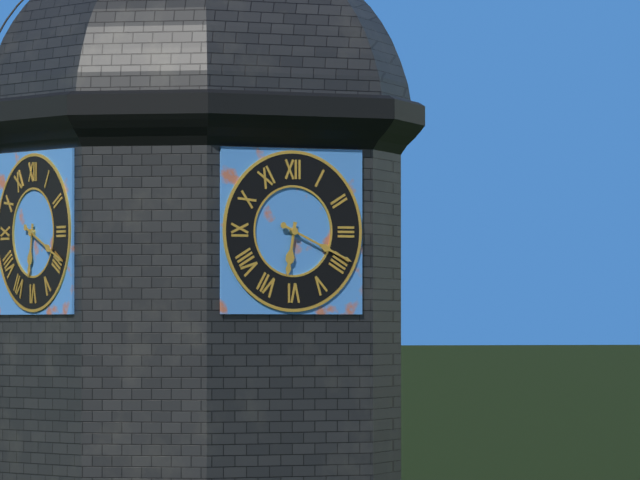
6:19
